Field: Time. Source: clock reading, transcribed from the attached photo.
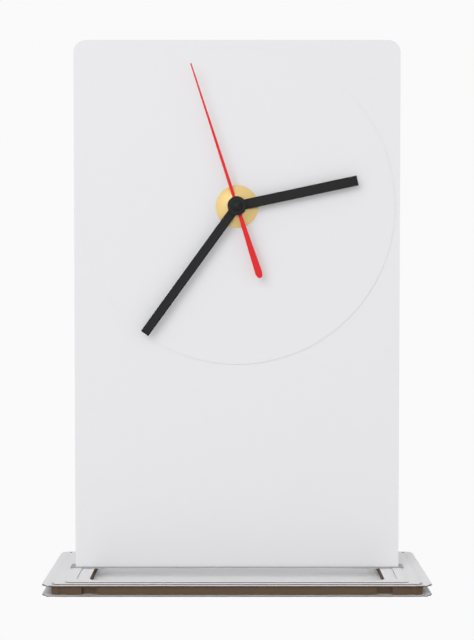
2:36:57
